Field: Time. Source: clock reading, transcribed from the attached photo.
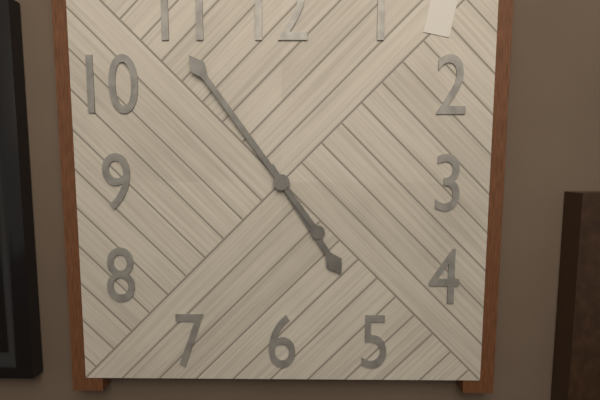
4:54
